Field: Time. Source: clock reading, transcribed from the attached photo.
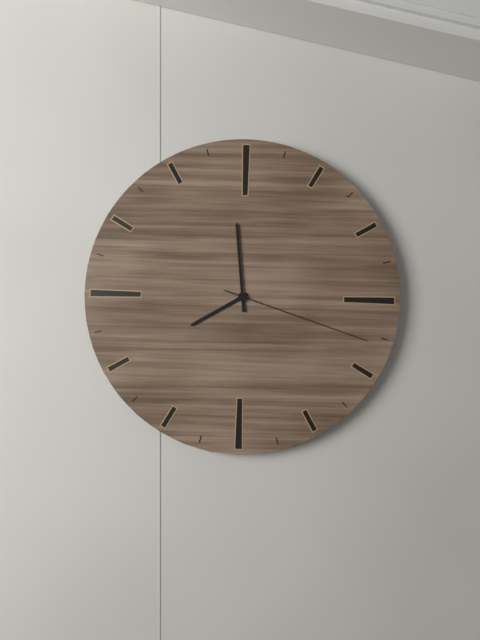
7:59:18
